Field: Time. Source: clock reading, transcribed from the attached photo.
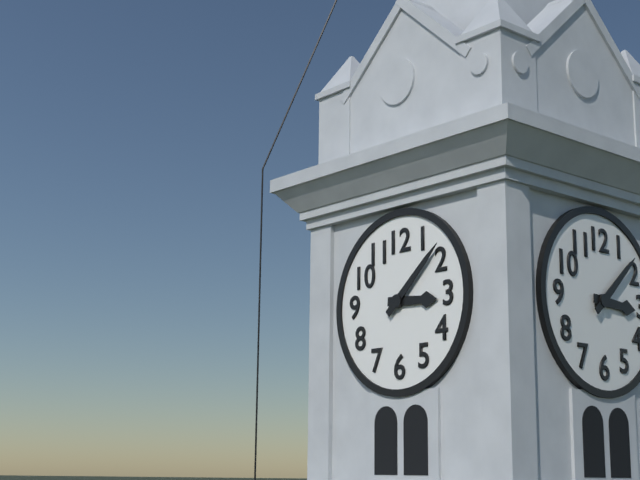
3:08
